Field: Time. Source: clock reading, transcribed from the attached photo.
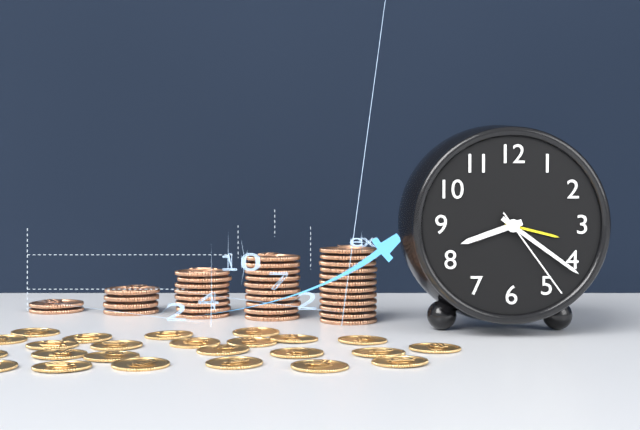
8:21:24
